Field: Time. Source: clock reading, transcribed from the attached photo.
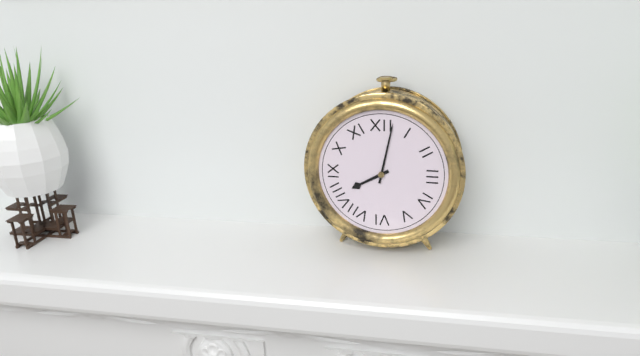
8:02
